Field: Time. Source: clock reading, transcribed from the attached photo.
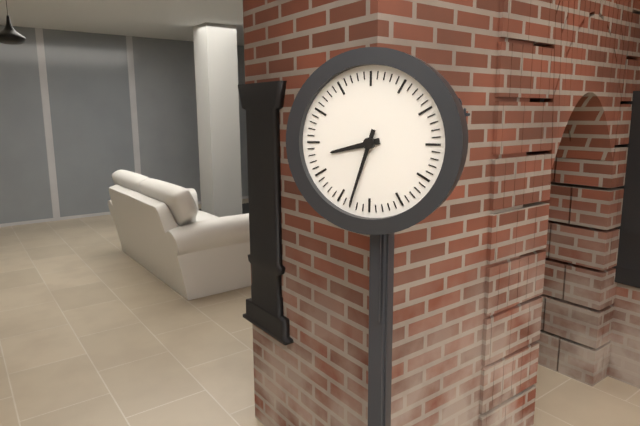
8:33
